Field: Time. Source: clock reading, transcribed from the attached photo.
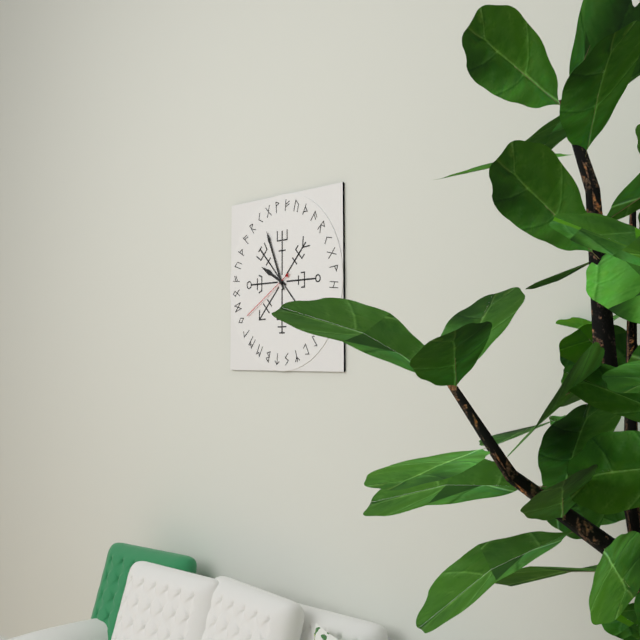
9:56:40
